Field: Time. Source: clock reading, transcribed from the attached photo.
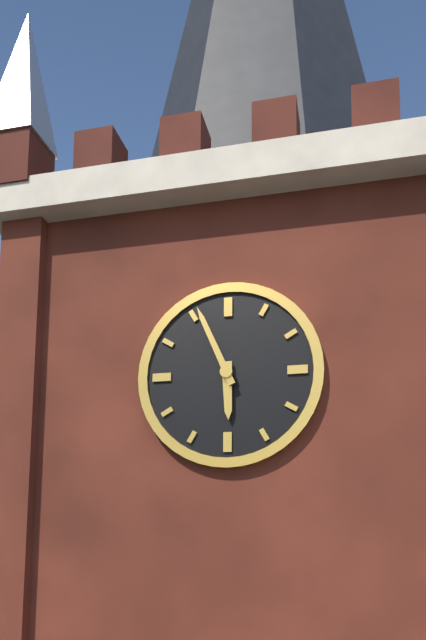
5:56
